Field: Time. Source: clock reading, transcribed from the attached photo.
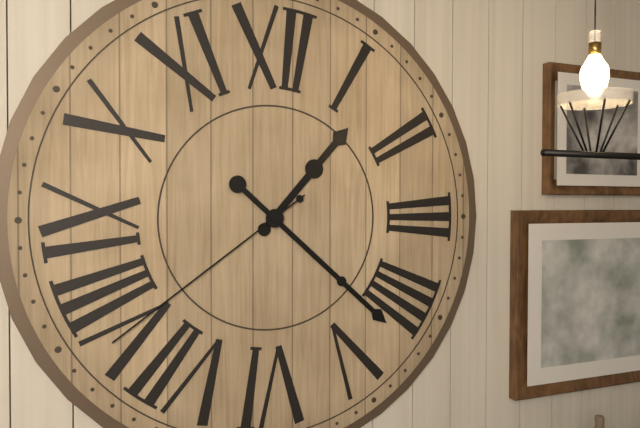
1:22:39
